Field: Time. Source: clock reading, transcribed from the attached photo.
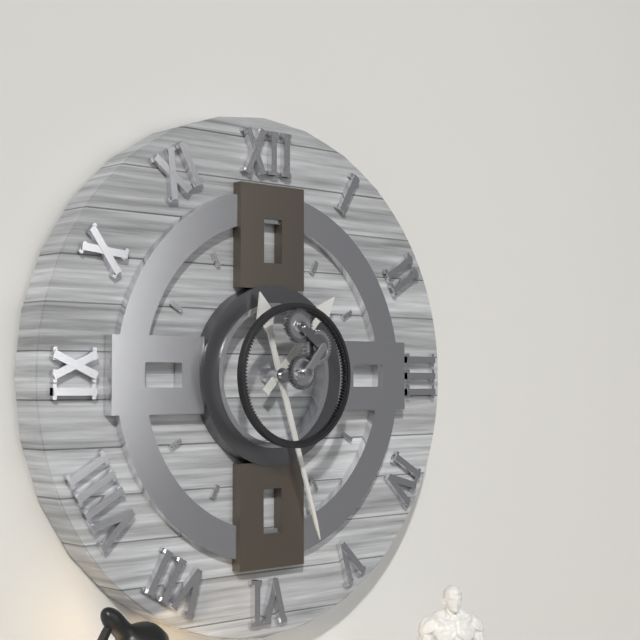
1:27
